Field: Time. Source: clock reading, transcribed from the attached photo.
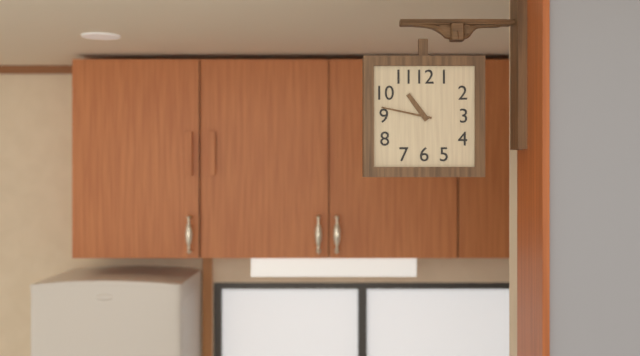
10:47
